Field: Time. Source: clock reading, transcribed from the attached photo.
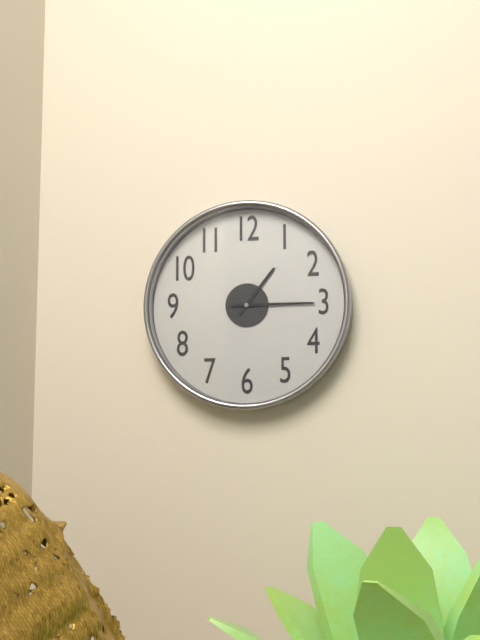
1:15
